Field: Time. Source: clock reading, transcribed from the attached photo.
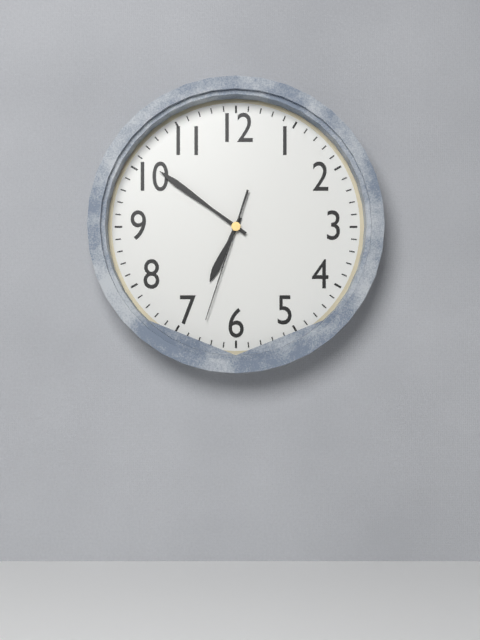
6:51:33
